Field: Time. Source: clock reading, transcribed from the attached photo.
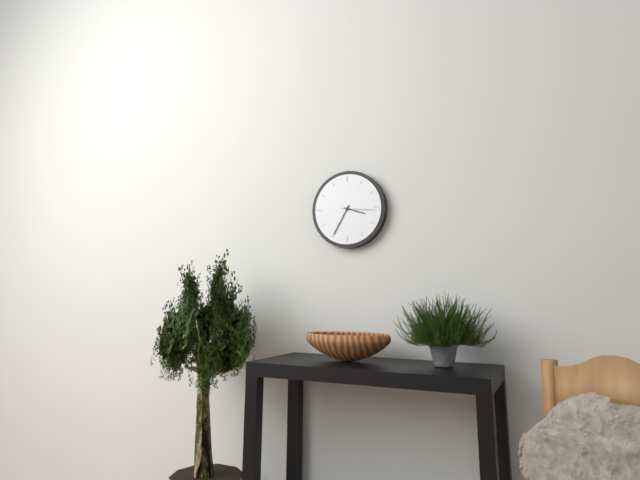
3:35
